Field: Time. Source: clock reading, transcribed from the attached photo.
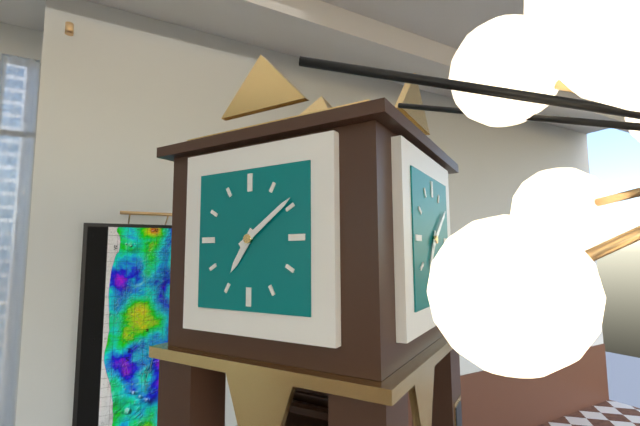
7:09
